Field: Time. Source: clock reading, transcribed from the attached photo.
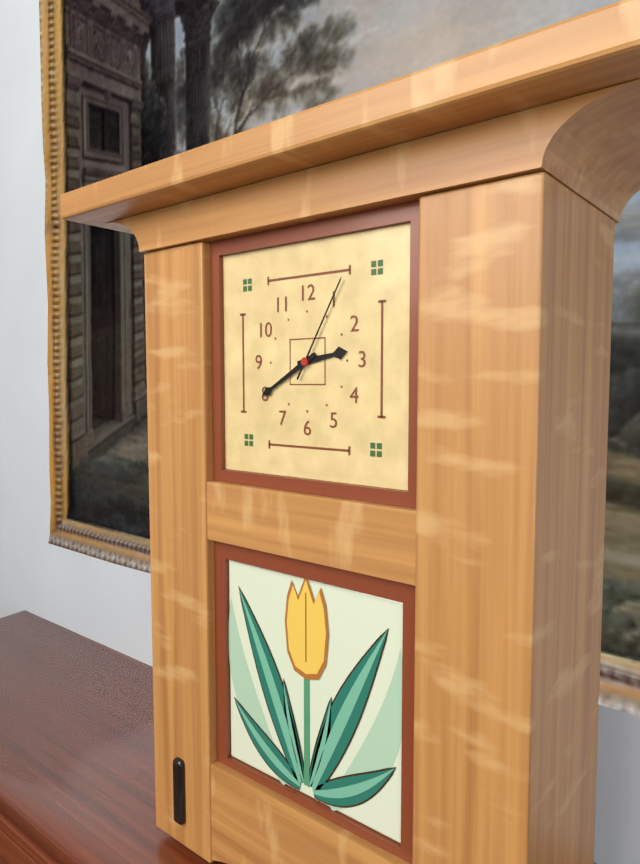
2:40:05
